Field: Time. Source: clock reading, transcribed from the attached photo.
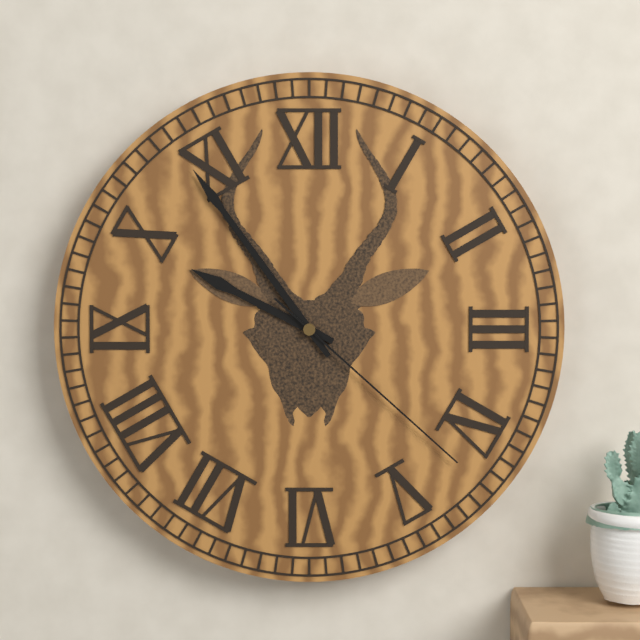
9:54:22
